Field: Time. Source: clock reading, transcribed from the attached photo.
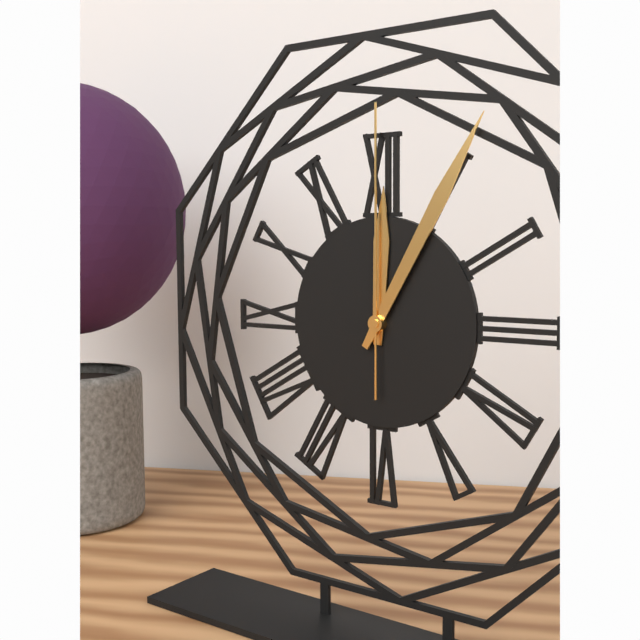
12:05:00
